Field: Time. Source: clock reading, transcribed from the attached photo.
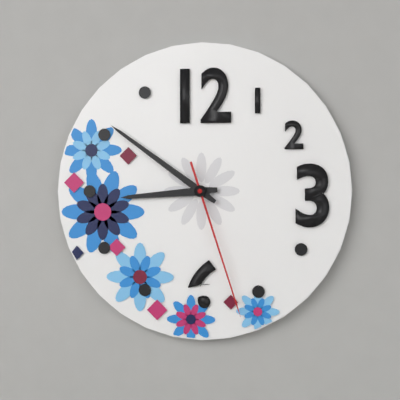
8:51:27
